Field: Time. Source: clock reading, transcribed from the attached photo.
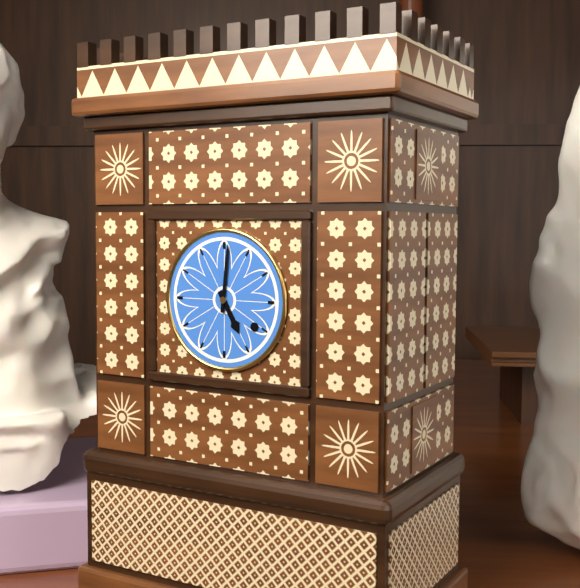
5:01
